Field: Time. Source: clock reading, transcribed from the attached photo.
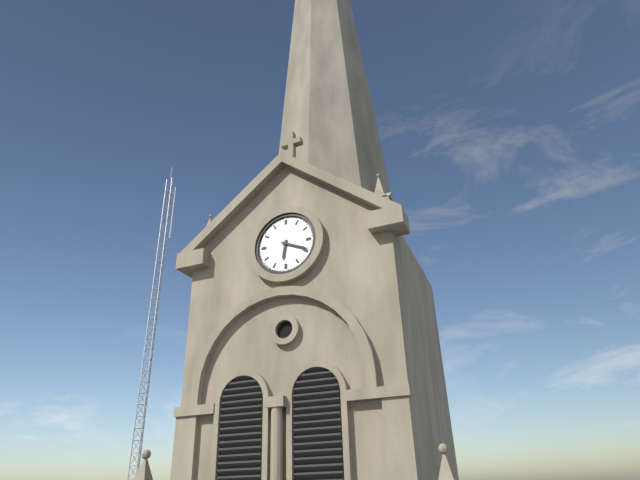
6:19
